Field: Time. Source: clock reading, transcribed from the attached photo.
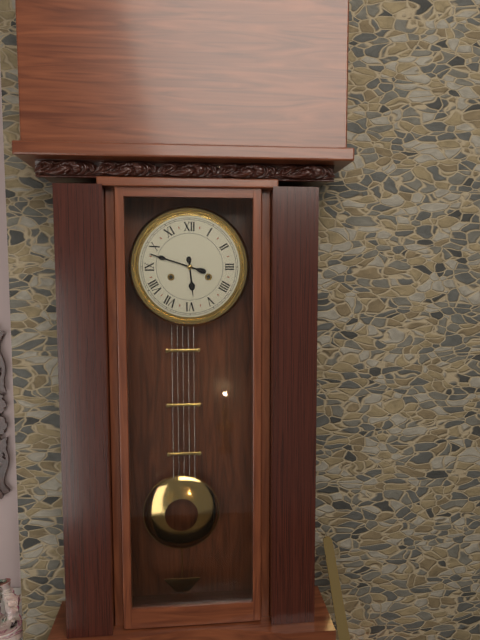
5:48
